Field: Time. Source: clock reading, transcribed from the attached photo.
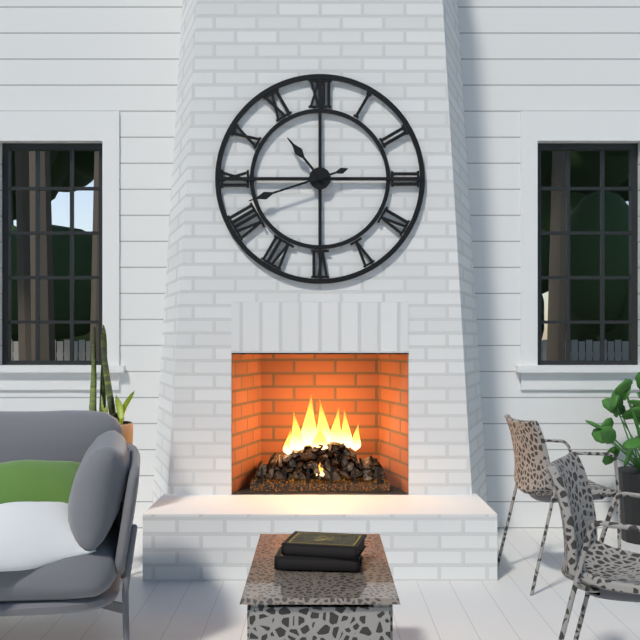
10:42
